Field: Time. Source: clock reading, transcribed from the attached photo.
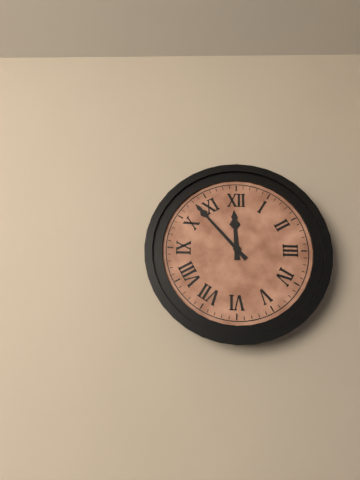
11:53
